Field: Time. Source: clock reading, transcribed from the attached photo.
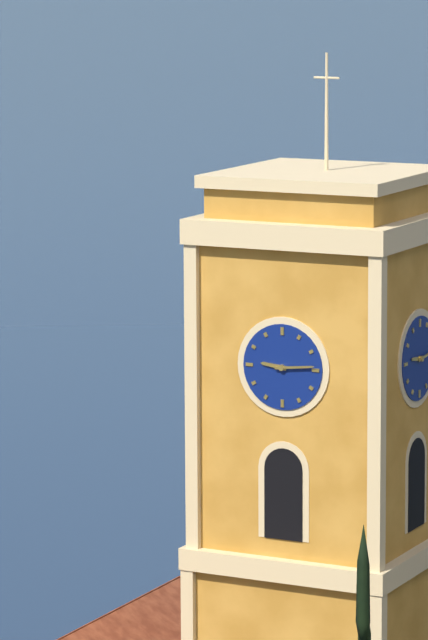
9:14
